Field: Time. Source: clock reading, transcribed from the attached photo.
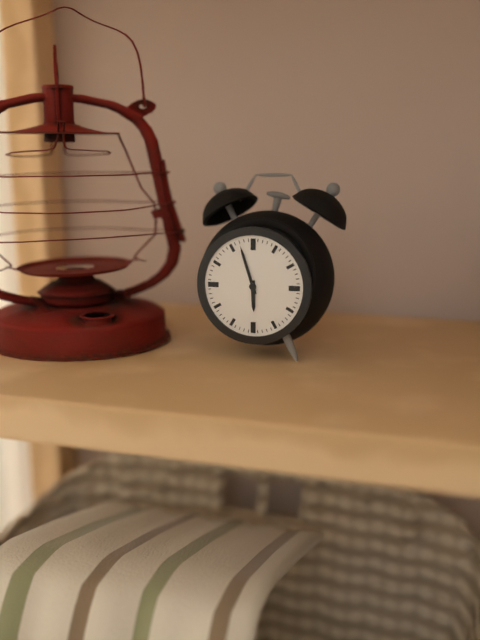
5:57
